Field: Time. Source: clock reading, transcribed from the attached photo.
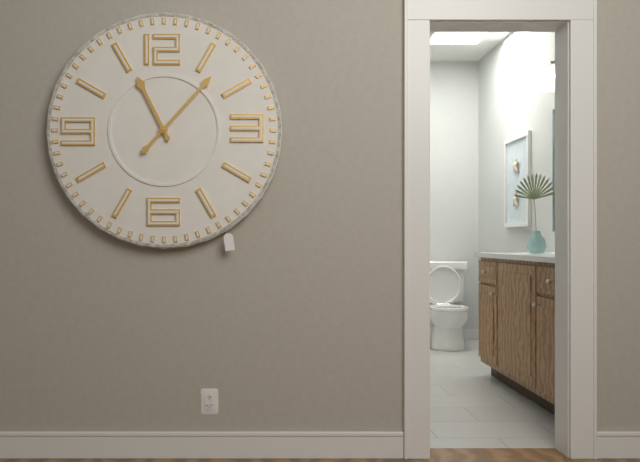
11:07
